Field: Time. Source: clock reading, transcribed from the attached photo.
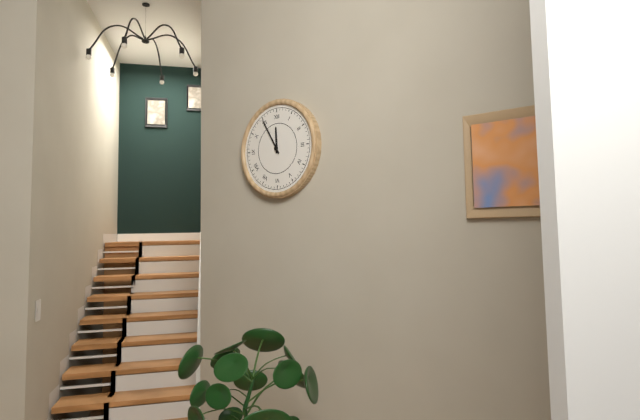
11:55
